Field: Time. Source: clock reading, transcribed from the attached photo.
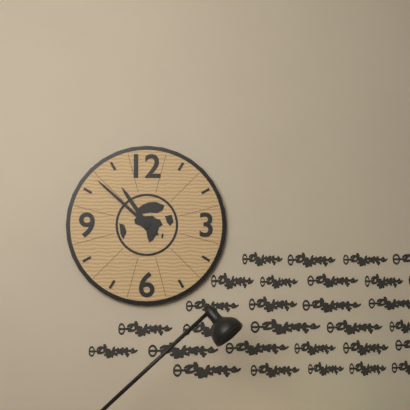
10:52
